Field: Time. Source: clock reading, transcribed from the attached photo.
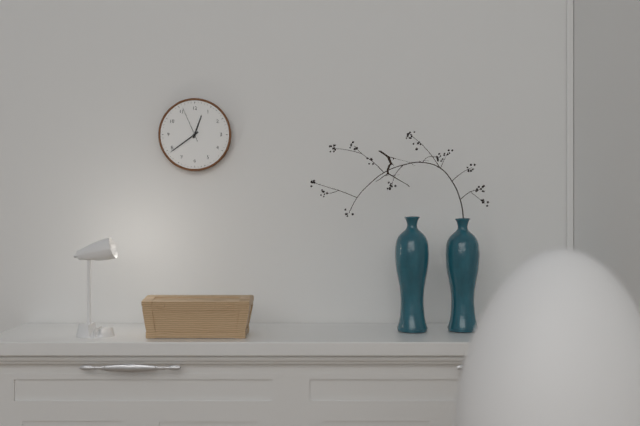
12:39
